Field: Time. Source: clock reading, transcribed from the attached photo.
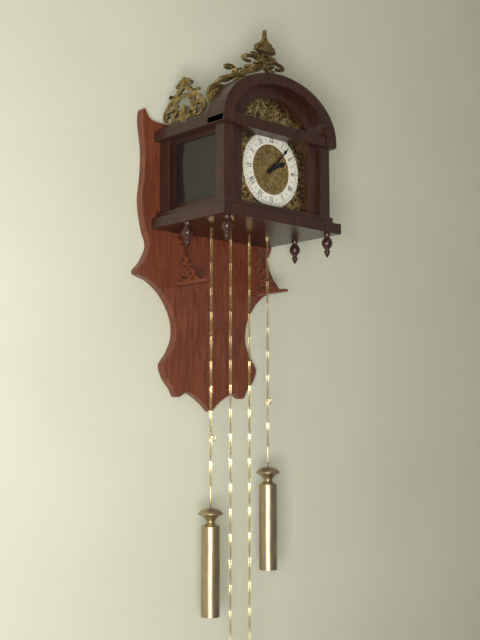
2:07
